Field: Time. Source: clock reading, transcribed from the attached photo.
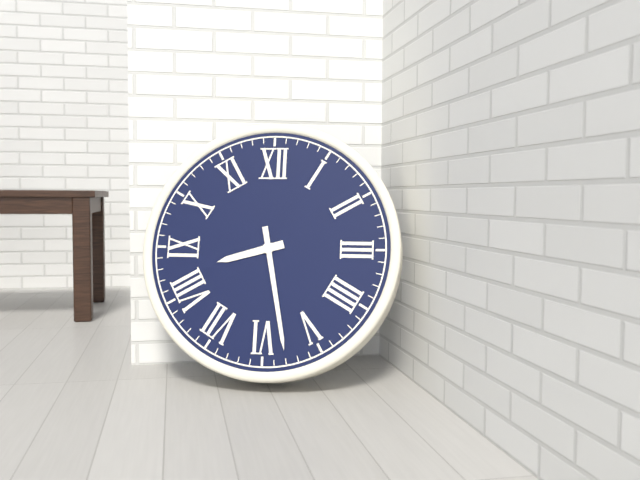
8:28
